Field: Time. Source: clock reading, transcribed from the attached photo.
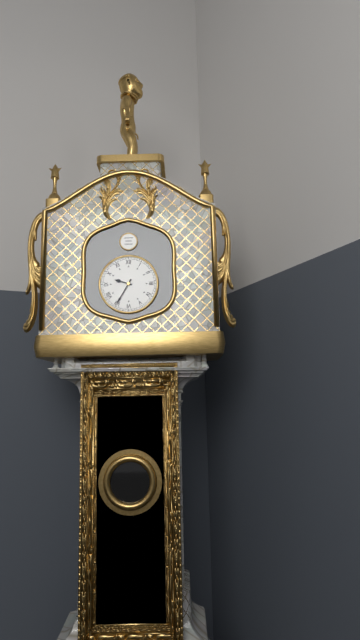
9:35
